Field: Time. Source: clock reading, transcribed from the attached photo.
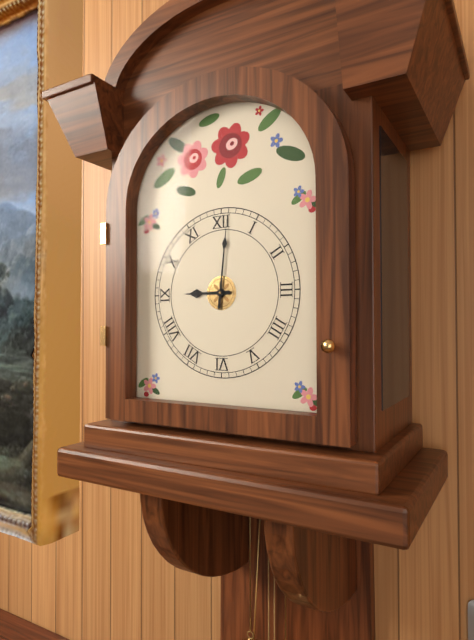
9:01
